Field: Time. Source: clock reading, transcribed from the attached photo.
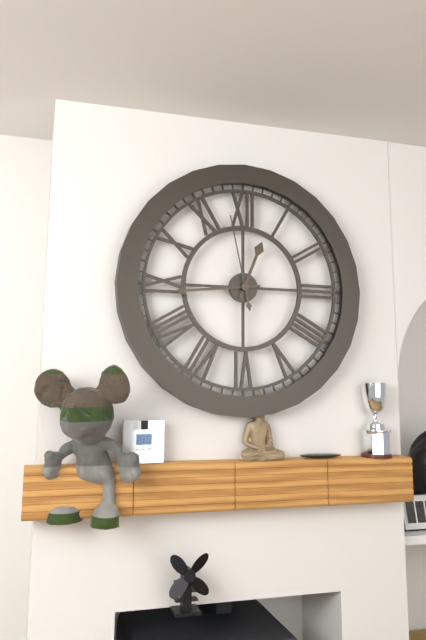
12:44:58
